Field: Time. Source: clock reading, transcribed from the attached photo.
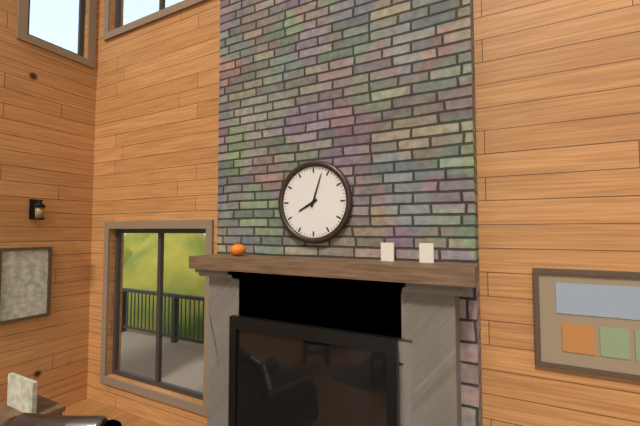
8:03
